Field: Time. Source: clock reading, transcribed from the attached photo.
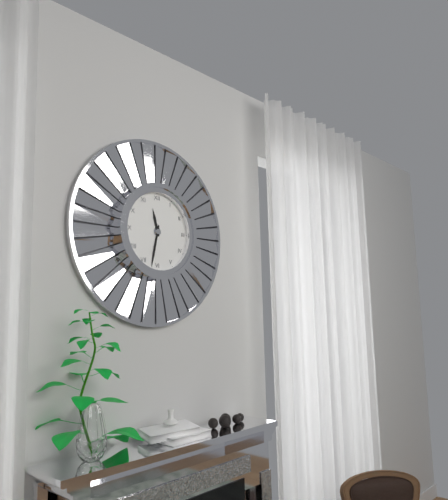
11:32
